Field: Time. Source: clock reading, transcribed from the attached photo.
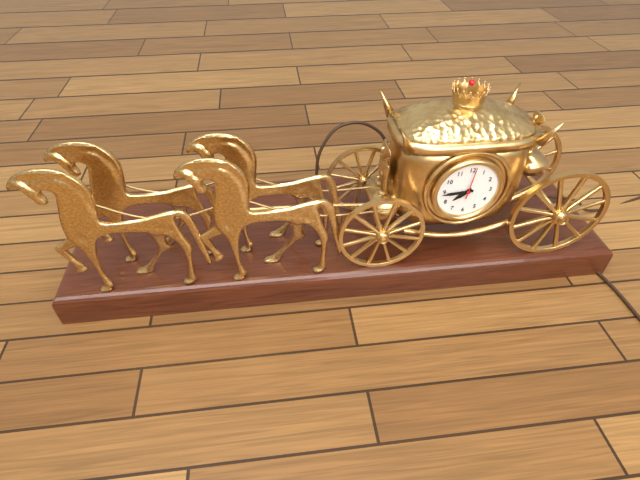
7:44
